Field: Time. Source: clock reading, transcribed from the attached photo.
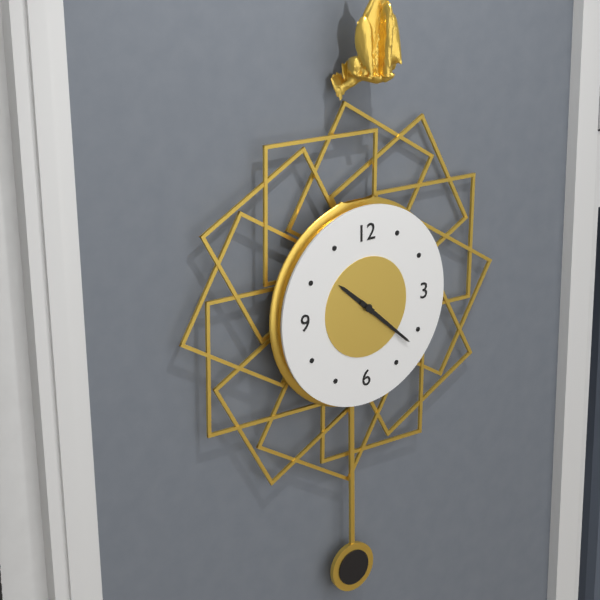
10:22
